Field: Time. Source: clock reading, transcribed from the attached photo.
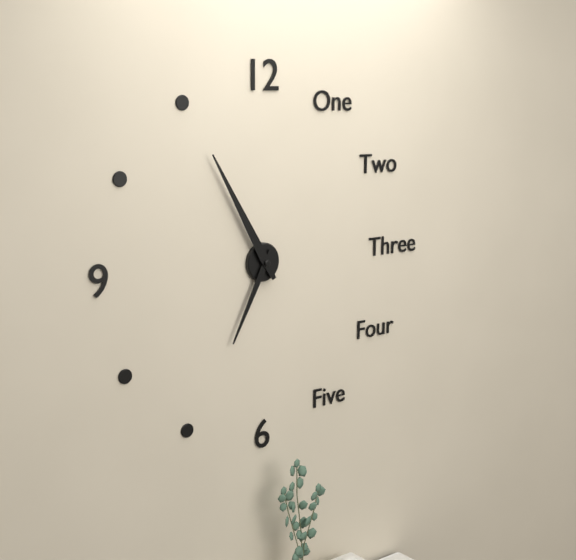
6:55
